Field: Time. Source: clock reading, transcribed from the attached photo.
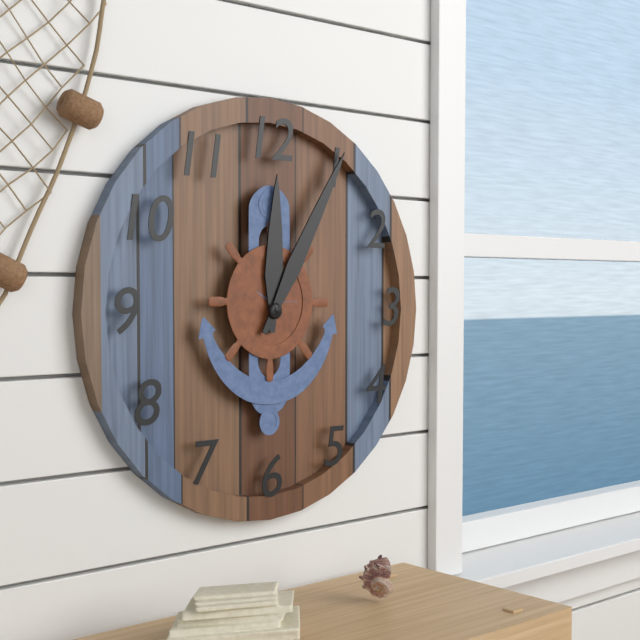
12:05
